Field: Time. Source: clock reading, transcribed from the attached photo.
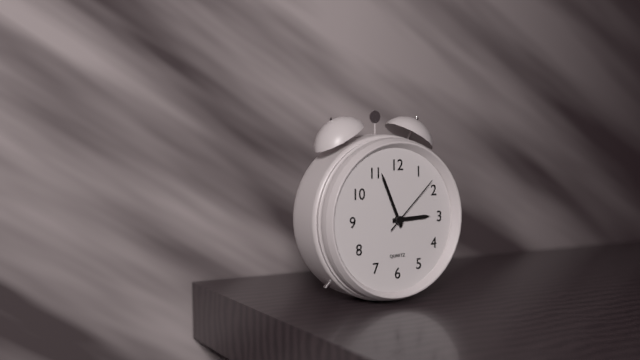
2:56:08
